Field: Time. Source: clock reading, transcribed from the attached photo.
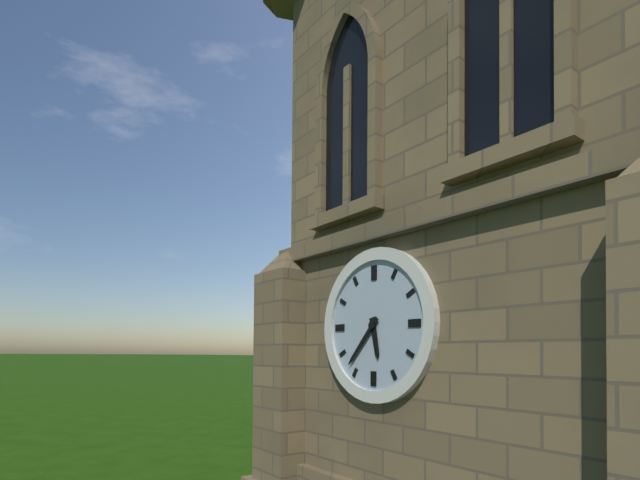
5:37
